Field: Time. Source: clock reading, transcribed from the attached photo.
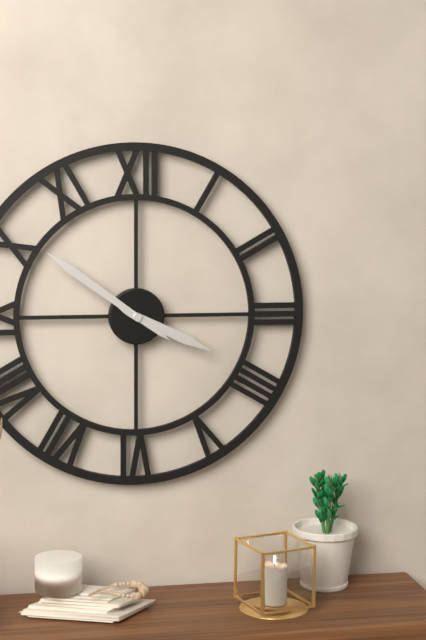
3:51
